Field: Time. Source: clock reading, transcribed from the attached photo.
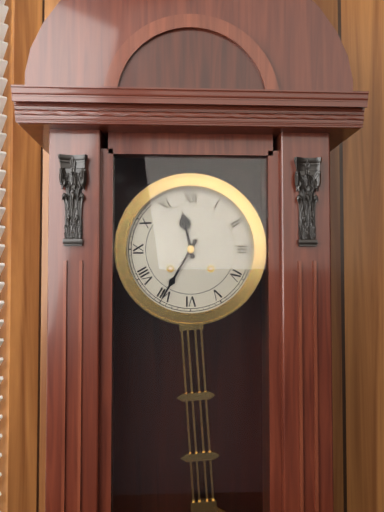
11:35
